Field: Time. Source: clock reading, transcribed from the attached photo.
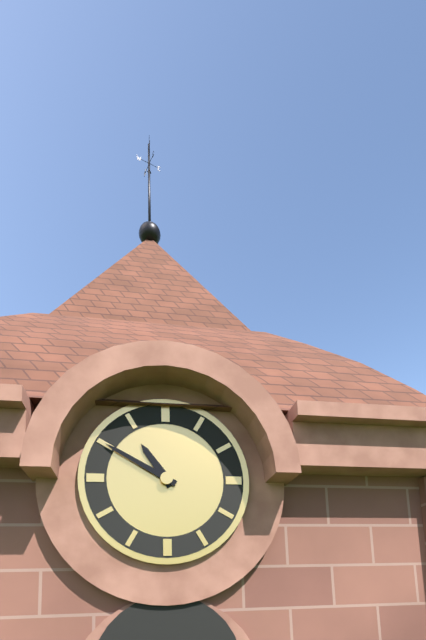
10:50
